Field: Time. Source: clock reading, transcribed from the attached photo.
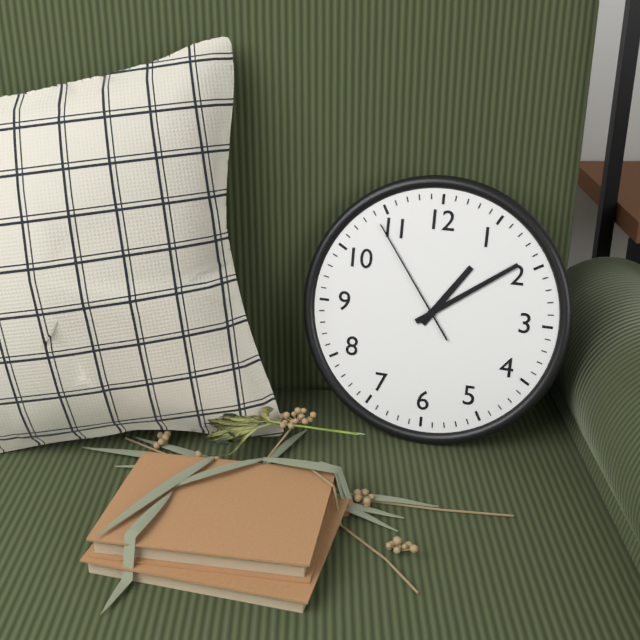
1:09:54
